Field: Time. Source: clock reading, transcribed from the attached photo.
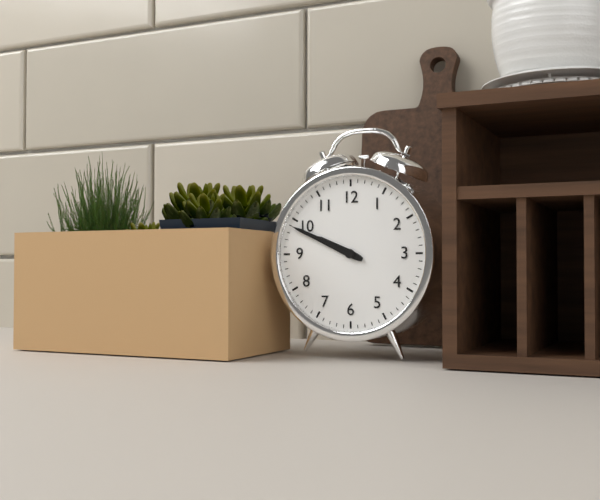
9:49
